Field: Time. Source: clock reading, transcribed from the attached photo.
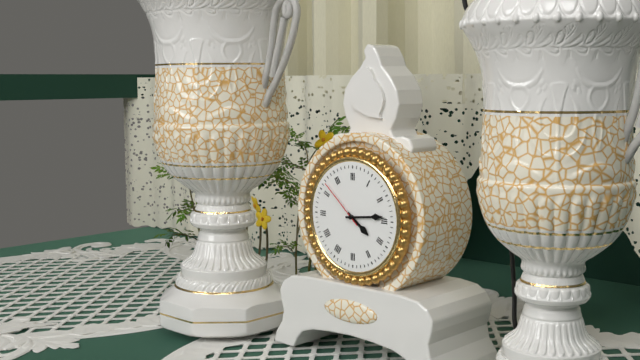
4:14:52
